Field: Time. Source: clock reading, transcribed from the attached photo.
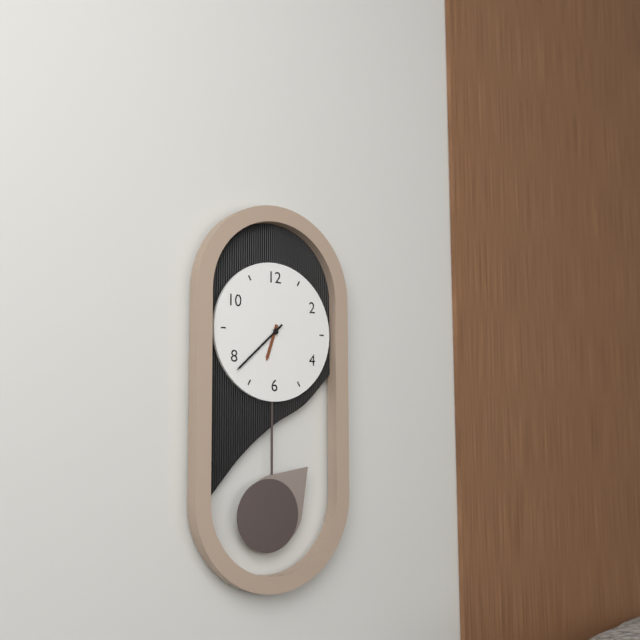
6:38
